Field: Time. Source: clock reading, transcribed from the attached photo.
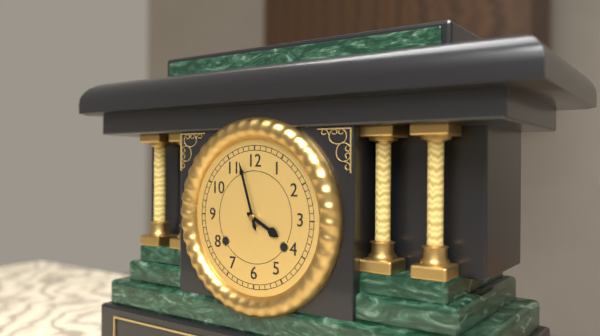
3:57
